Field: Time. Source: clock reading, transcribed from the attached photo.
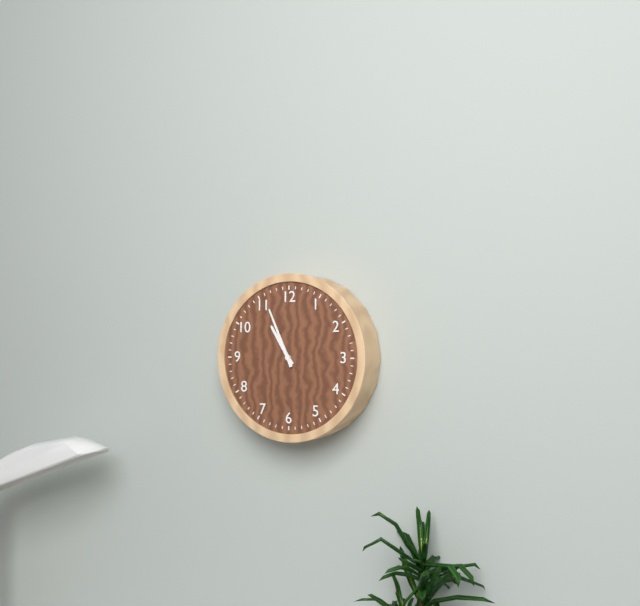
10:56
